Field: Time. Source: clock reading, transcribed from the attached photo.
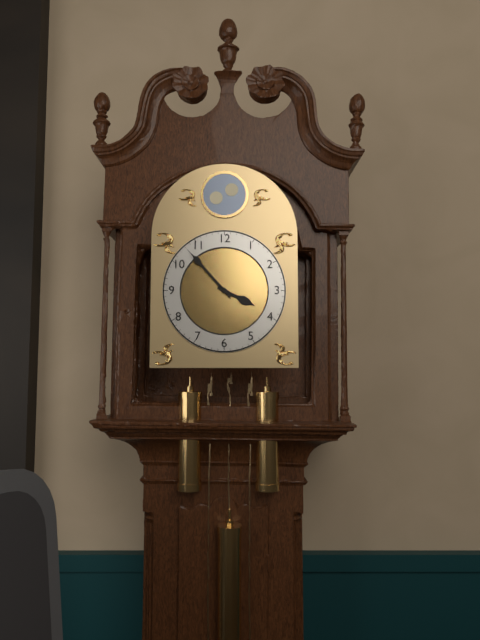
3:53
